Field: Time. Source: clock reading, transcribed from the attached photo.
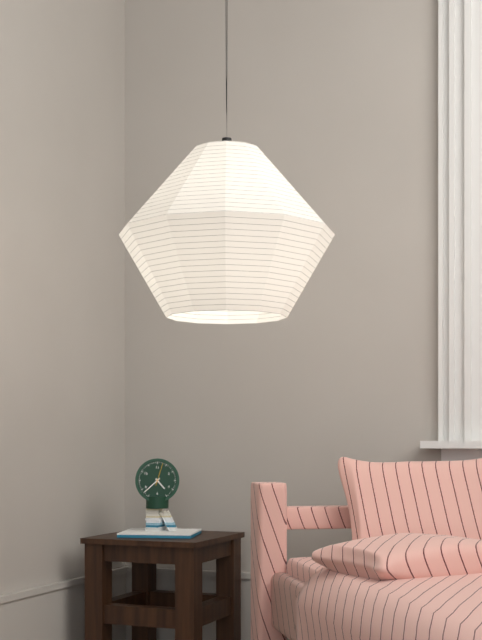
4:38
